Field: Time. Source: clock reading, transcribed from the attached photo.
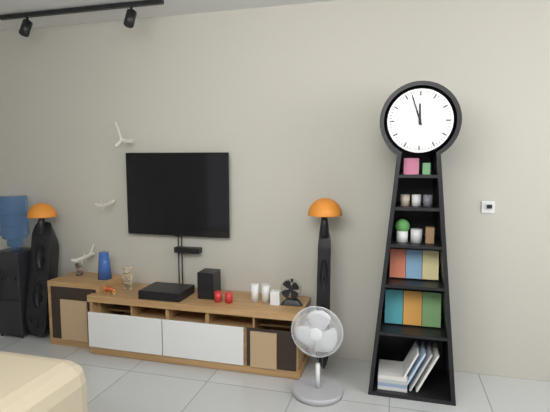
11:57
